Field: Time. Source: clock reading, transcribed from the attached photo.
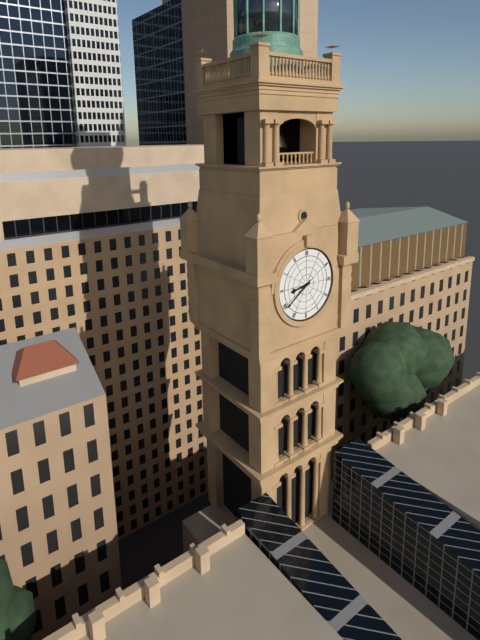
8:39
